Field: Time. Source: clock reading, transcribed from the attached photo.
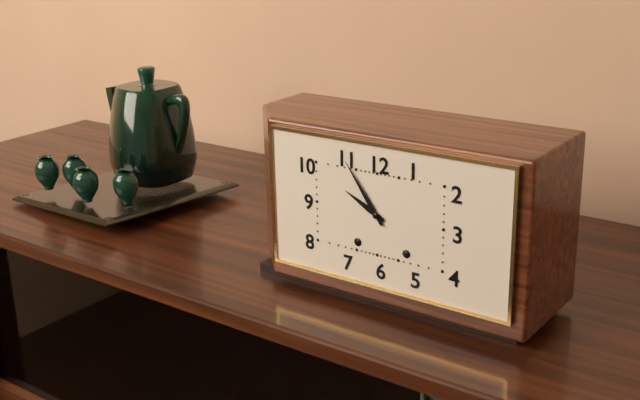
9:54
